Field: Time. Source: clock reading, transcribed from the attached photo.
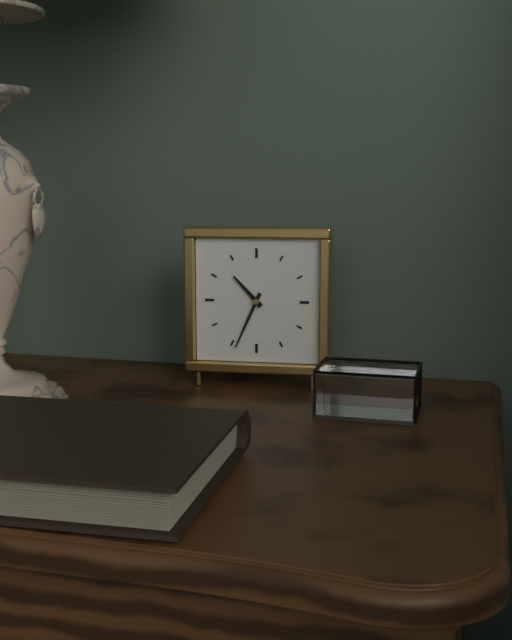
10:34
